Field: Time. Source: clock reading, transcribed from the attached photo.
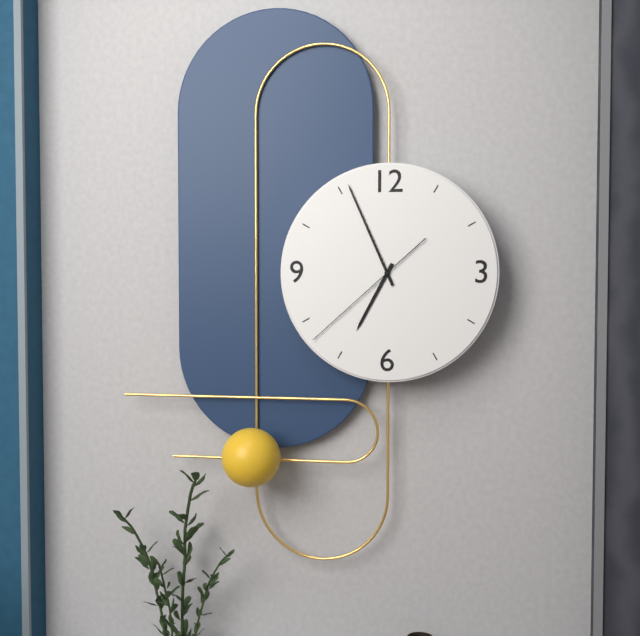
6:56:38
